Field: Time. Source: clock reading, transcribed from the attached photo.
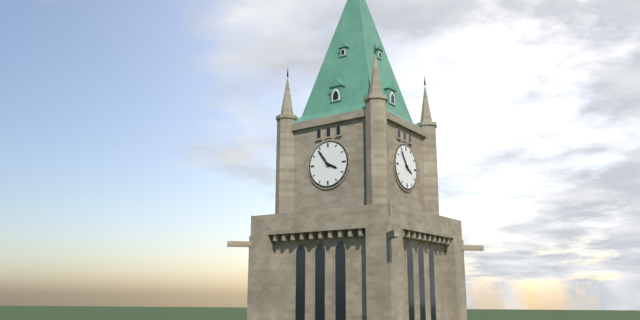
3:54
